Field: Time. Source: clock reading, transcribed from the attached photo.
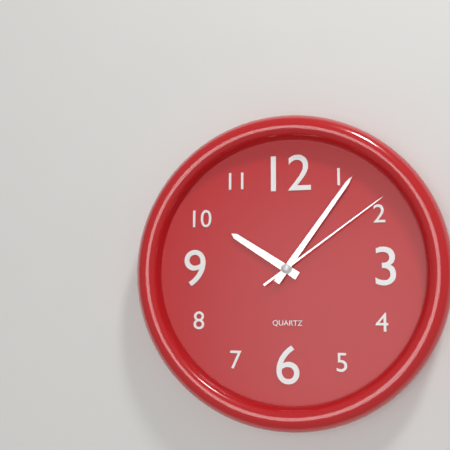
10:06:09
